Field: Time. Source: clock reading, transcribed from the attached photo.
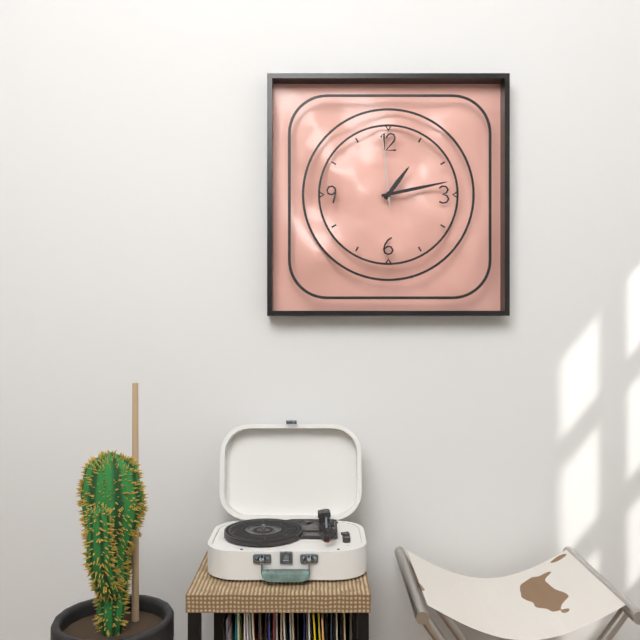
1:13:59
